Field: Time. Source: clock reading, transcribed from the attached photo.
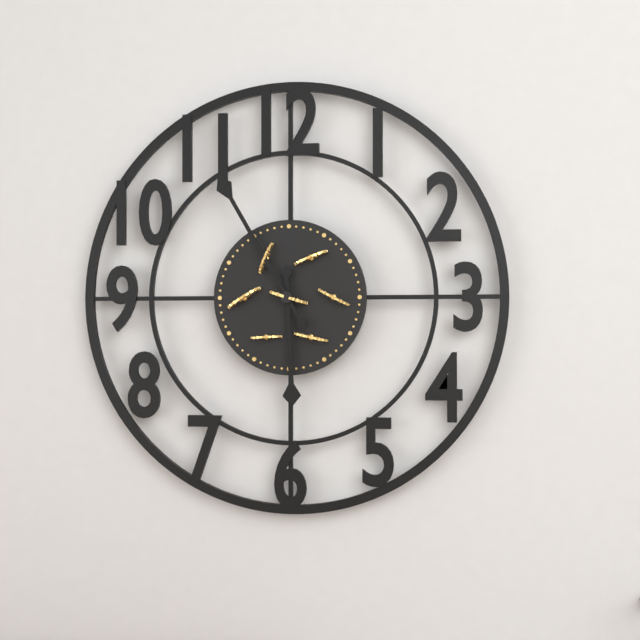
5:55
